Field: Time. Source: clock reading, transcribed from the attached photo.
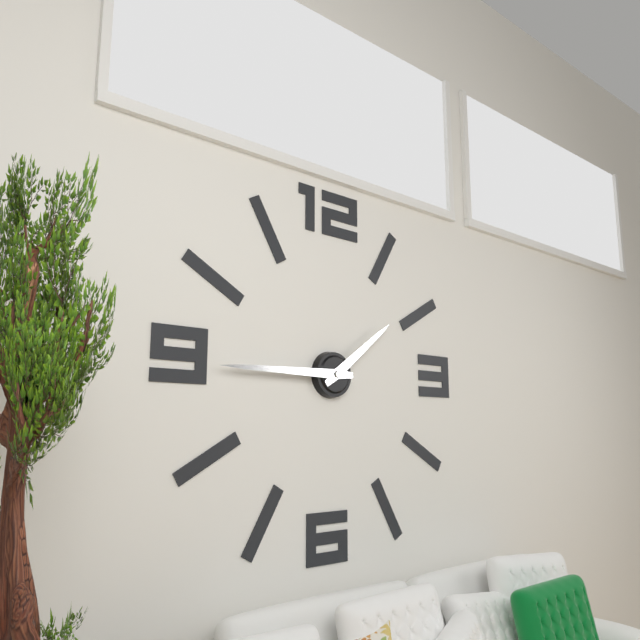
1:45
